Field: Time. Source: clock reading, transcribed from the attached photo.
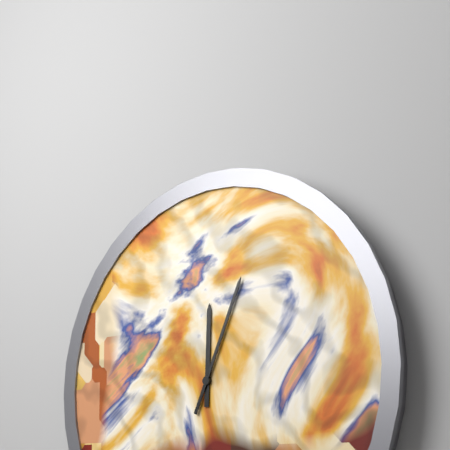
12:04
